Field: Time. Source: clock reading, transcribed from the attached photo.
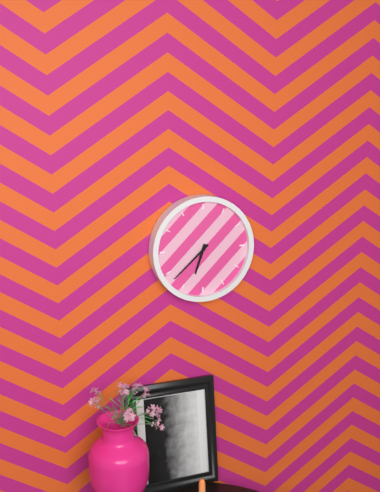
6:38
